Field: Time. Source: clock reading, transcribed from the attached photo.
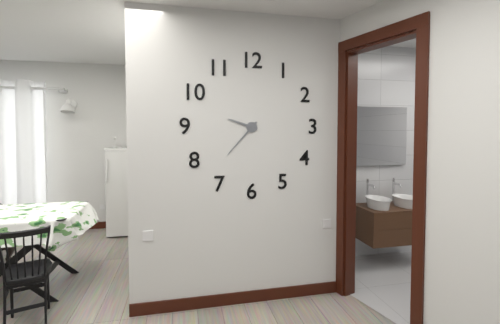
9:37
